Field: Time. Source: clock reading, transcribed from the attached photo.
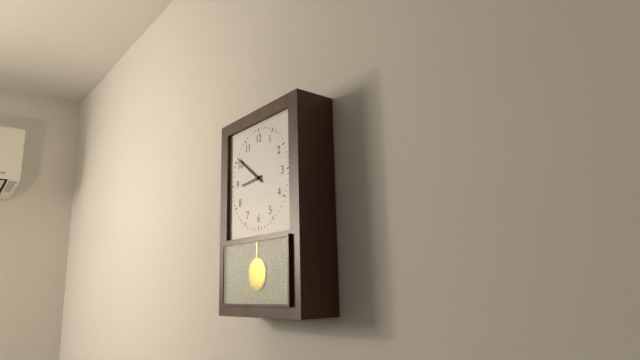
8:51
